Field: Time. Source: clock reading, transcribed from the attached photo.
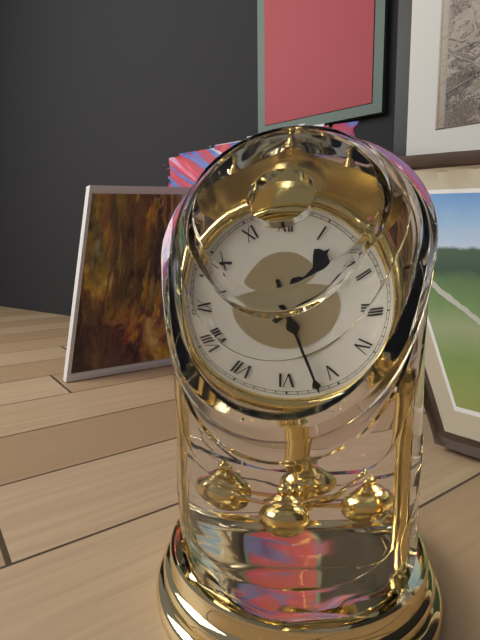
1:27
